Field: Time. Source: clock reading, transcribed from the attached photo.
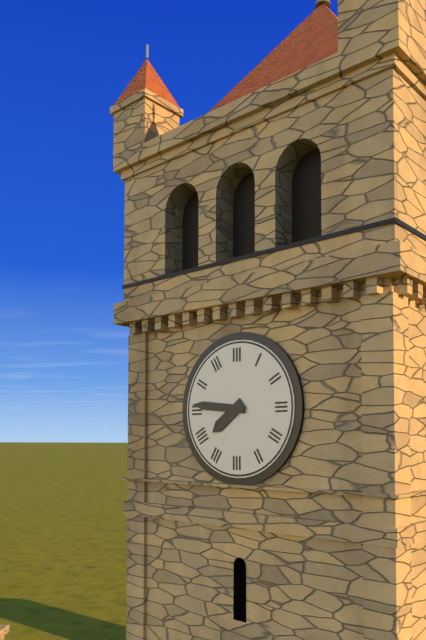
7:46
